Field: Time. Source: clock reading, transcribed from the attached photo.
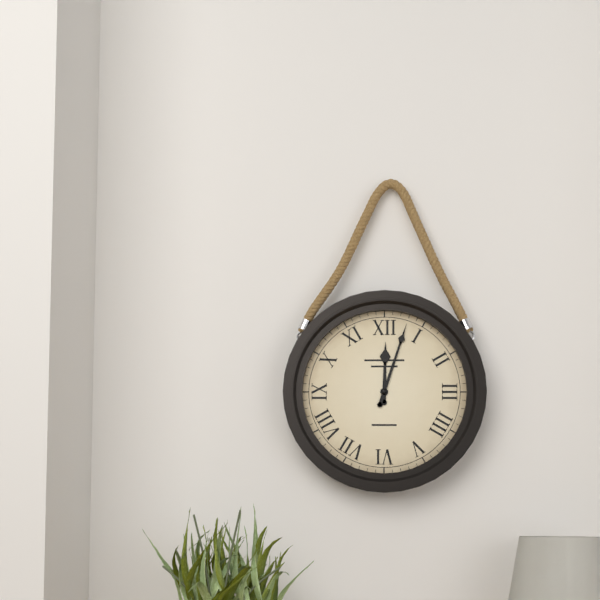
12:03
